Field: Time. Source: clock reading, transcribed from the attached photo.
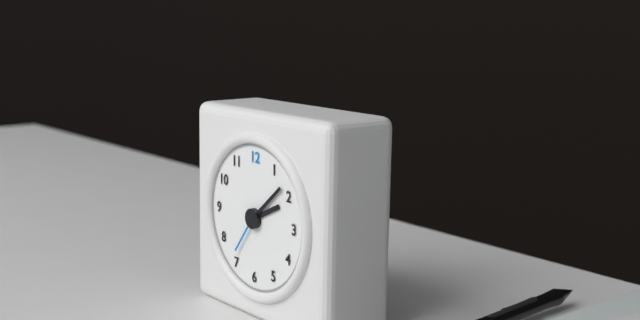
2:08
